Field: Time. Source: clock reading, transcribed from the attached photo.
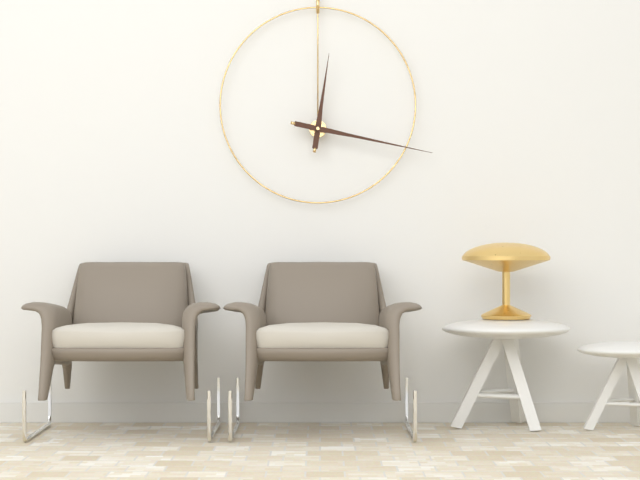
12:17
